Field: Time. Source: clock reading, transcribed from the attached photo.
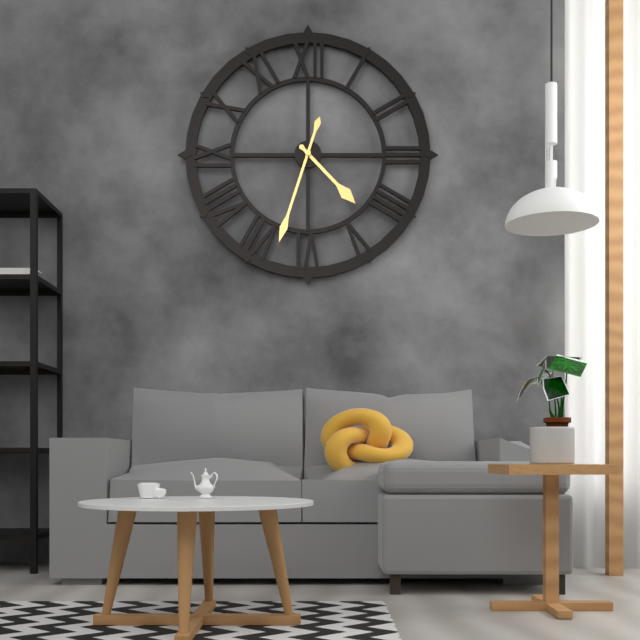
4:33
